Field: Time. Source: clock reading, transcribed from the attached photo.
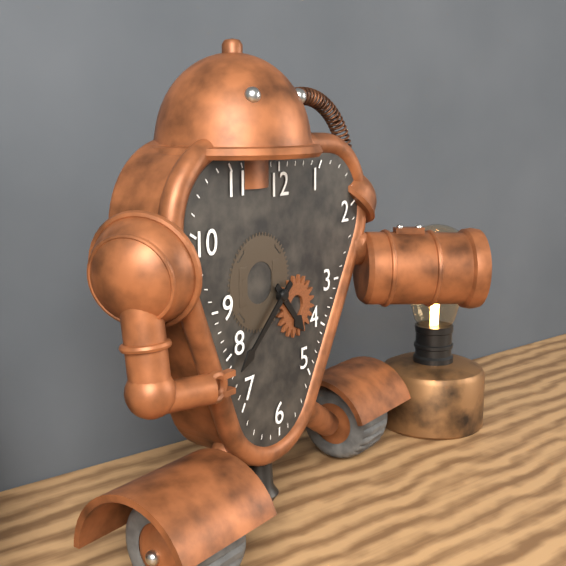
4:38
